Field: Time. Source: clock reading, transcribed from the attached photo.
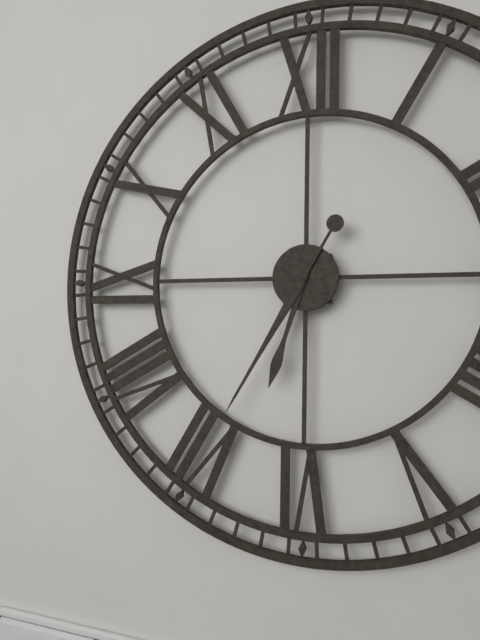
6:35
